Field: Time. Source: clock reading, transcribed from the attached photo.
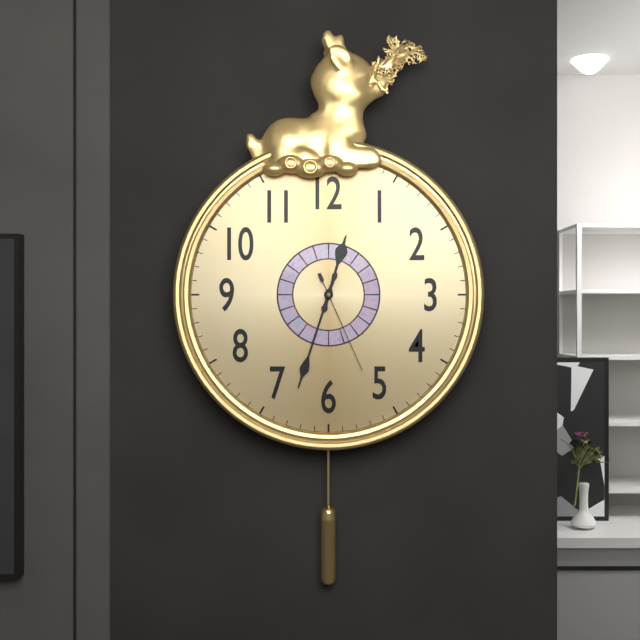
12:33:26
